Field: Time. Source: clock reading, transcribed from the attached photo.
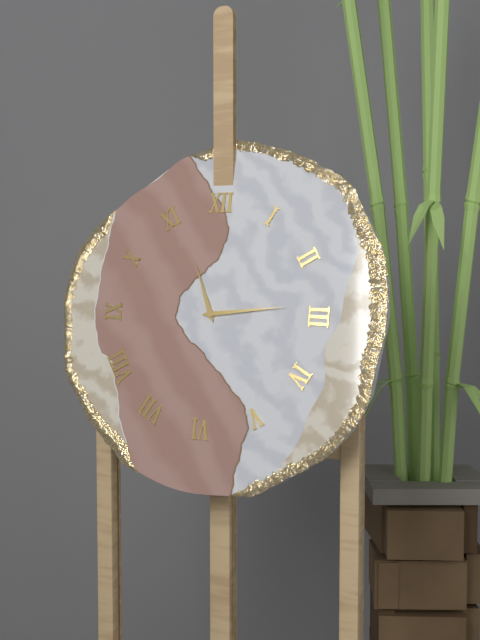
11:14
